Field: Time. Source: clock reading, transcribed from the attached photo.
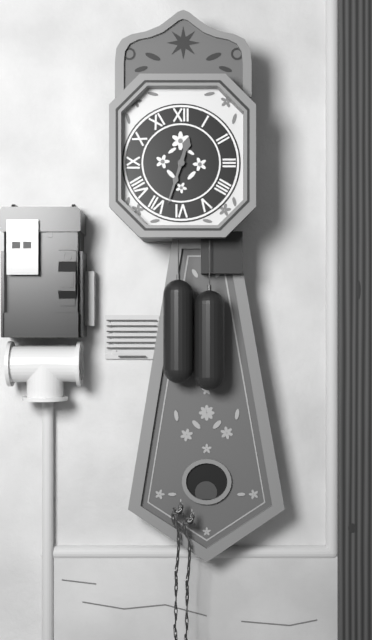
12:33
